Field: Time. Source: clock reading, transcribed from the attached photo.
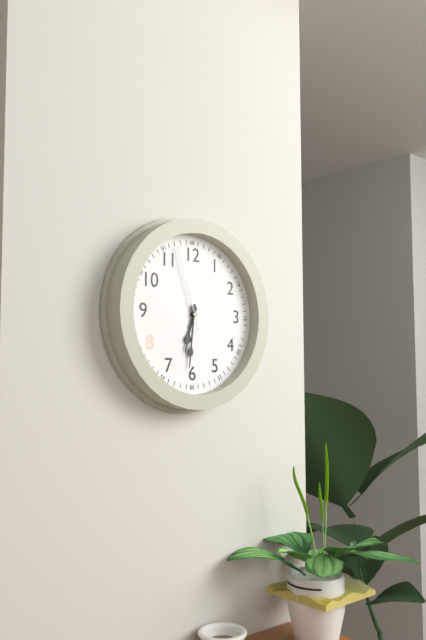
6:31:57
